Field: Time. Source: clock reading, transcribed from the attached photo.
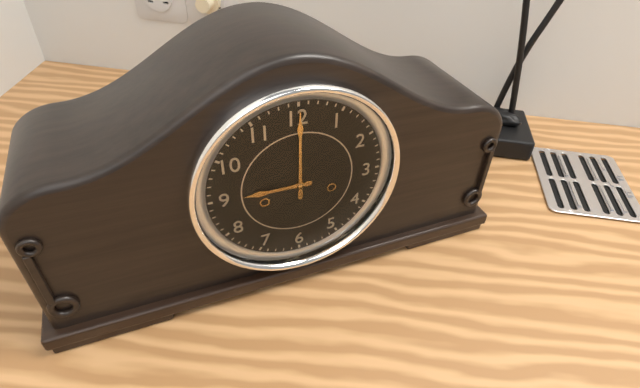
9:00
